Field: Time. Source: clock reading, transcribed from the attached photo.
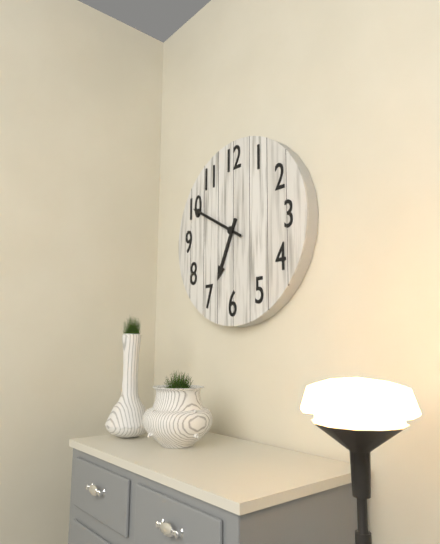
6:50
